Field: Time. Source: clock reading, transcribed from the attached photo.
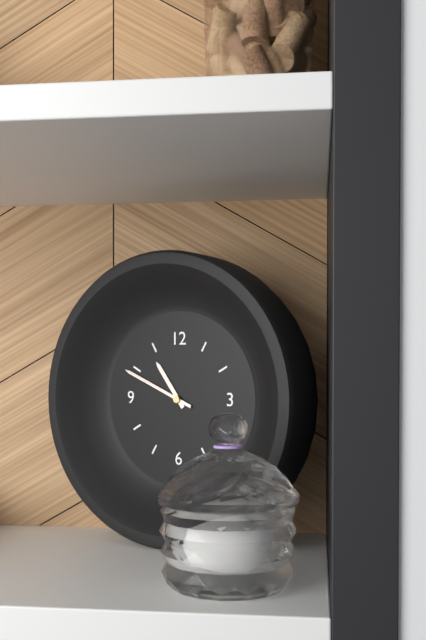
10:49
